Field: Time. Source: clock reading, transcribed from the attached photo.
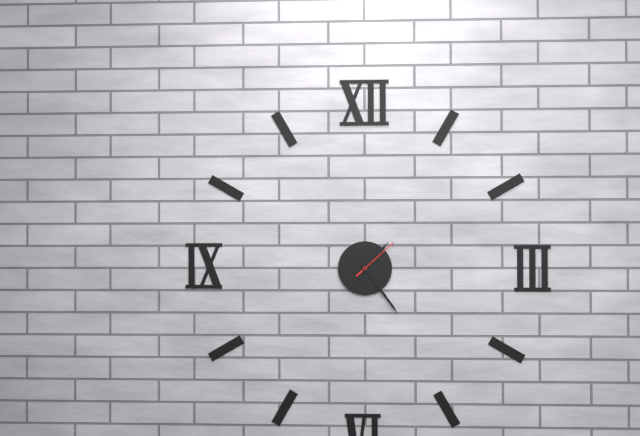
1:24
